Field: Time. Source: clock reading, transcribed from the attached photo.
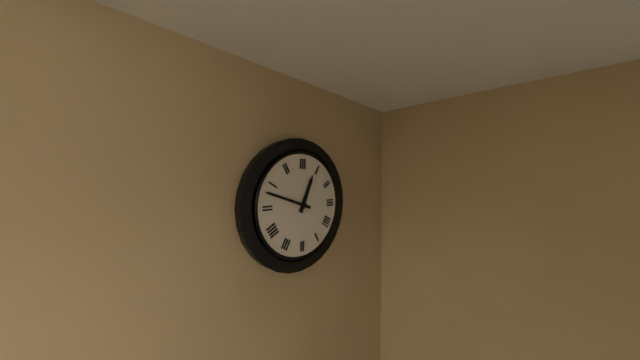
12:48
